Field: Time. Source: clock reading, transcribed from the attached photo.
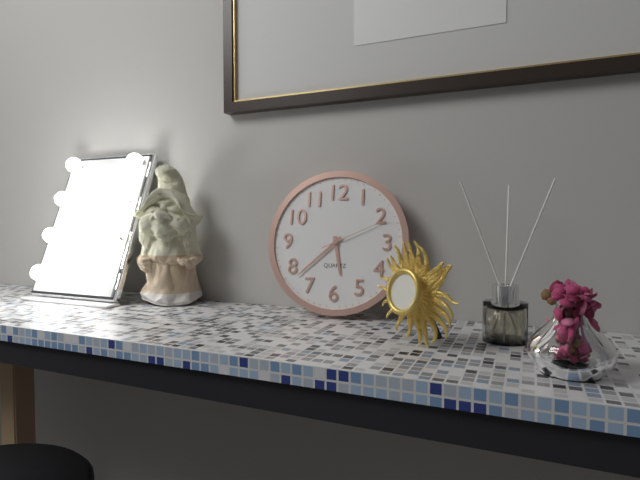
5:38:11
